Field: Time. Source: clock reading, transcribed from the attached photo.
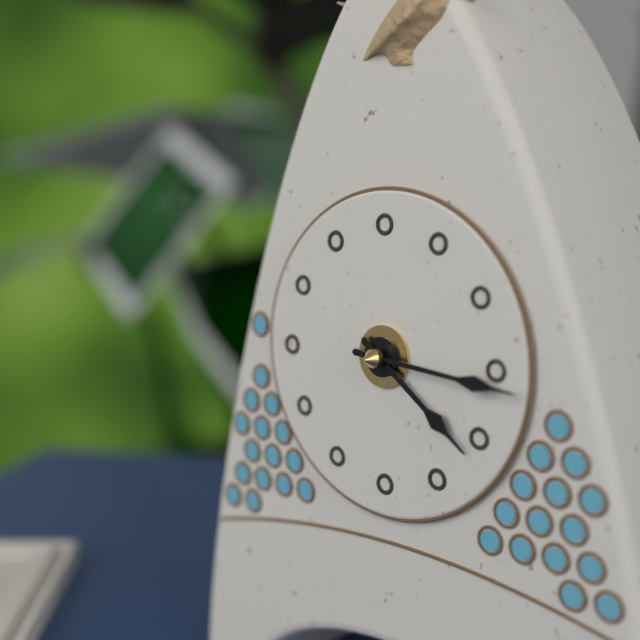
4:16
